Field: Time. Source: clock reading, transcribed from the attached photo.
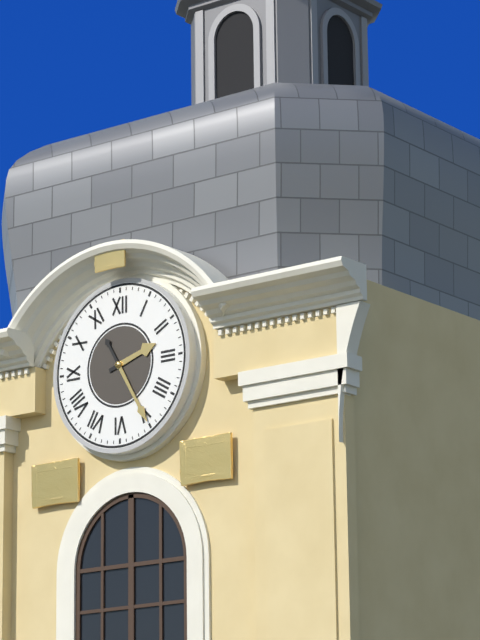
2:25
